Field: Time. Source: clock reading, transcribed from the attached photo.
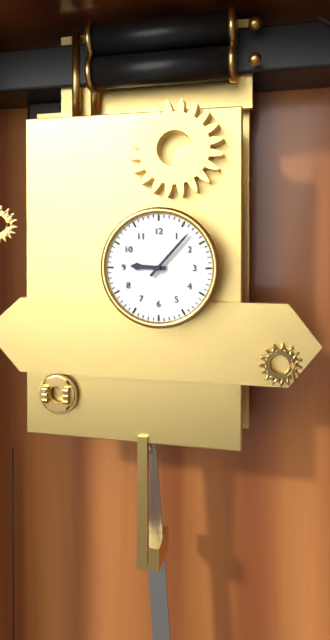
9:07
